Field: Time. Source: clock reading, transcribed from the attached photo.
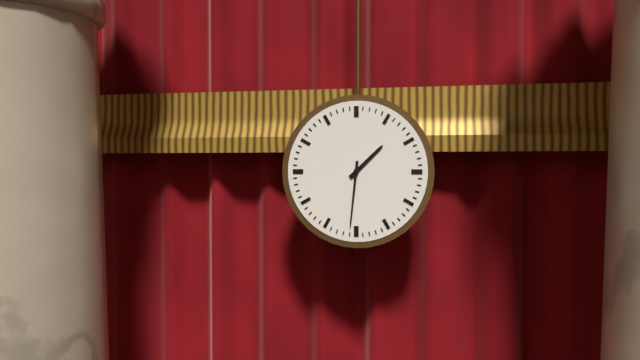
1:31
